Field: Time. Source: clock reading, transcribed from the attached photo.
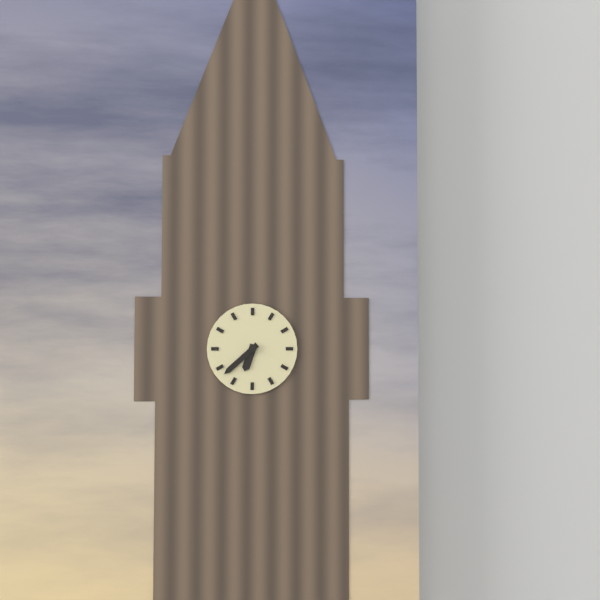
6:38
